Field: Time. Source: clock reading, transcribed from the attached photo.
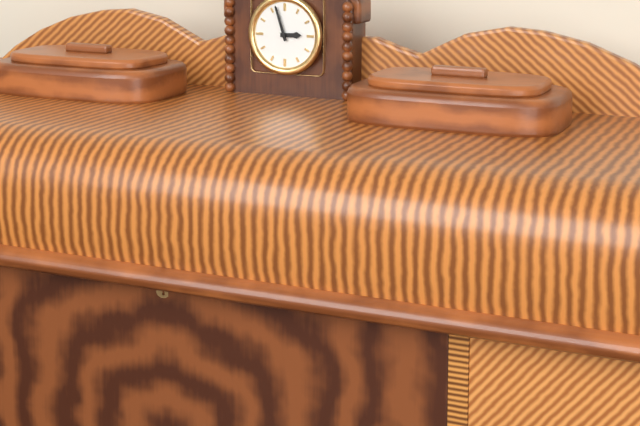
2:57
